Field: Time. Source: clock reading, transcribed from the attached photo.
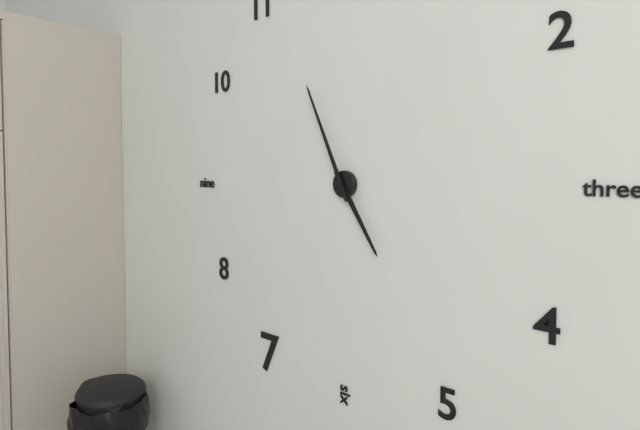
4:56
